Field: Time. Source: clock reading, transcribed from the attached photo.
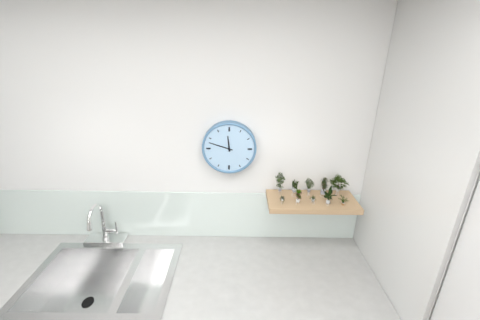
11:48
